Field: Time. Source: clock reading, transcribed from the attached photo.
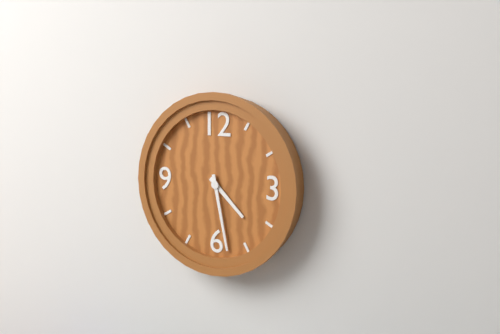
4:28
